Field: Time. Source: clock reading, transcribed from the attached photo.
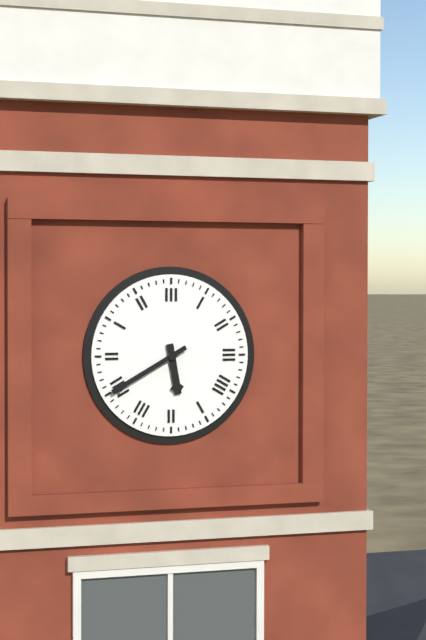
5:40
